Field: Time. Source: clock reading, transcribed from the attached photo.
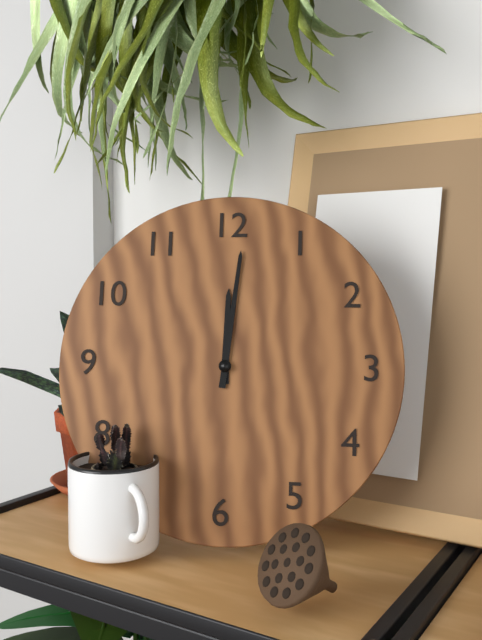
12:01
